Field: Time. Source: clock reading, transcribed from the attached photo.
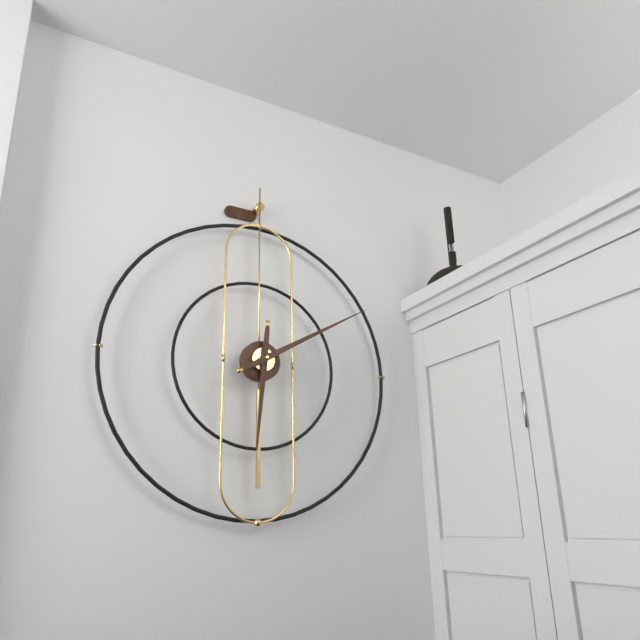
6:10
